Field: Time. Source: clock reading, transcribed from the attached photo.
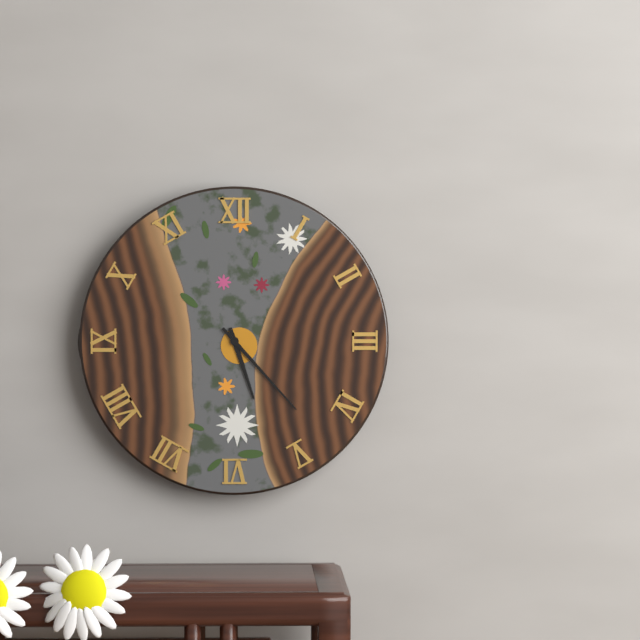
5:23
